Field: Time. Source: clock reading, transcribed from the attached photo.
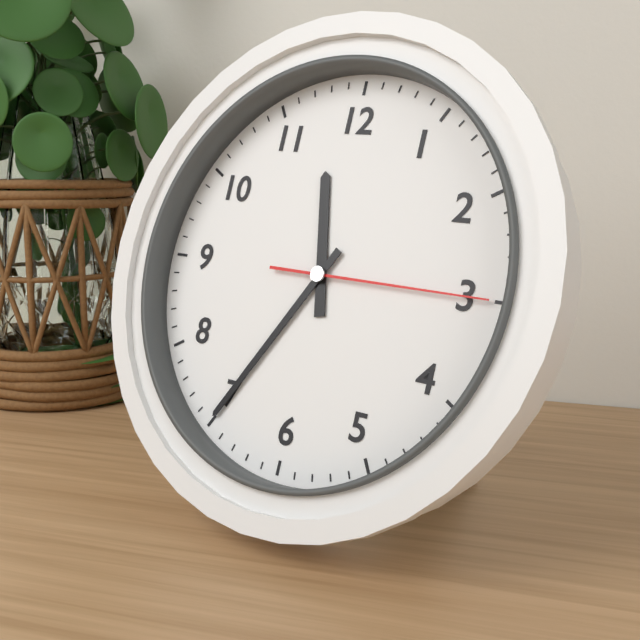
11:35:15
